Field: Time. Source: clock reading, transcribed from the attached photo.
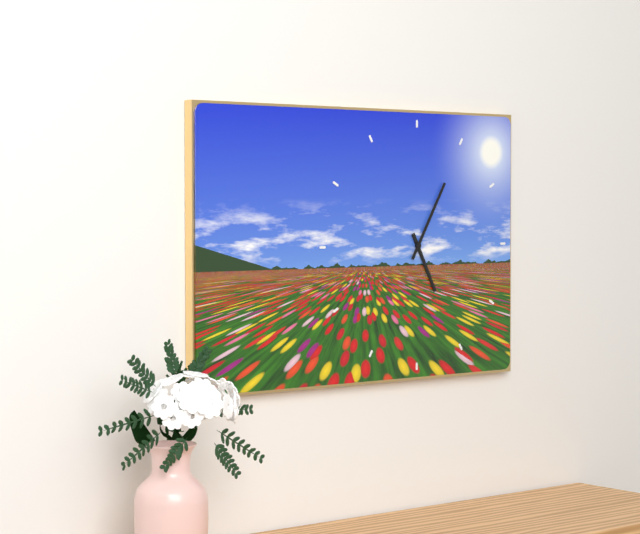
5:05
